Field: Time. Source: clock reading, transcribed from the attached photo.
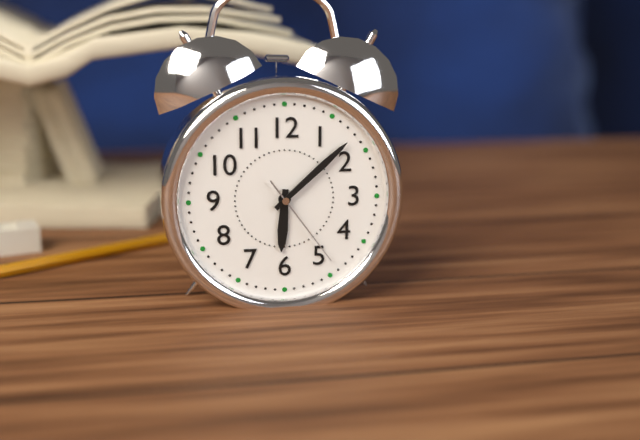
6:08:24
